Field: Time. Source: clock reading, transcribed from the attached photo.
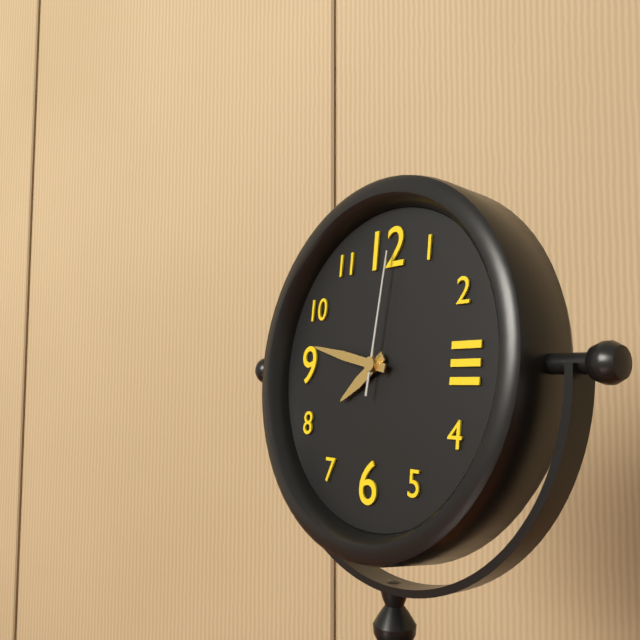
7:47:01
